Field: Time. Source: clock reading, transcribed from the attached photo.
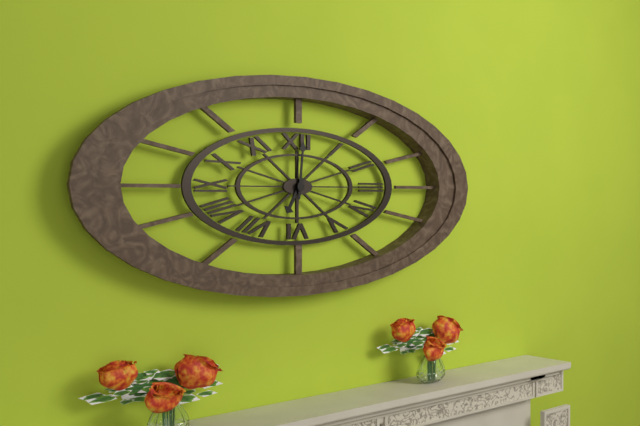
7:01
